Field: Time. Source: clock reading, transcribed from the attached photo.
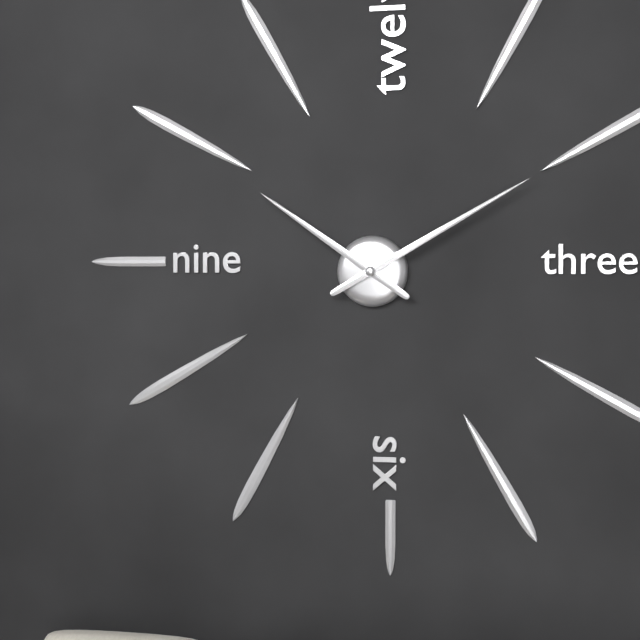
10:10
